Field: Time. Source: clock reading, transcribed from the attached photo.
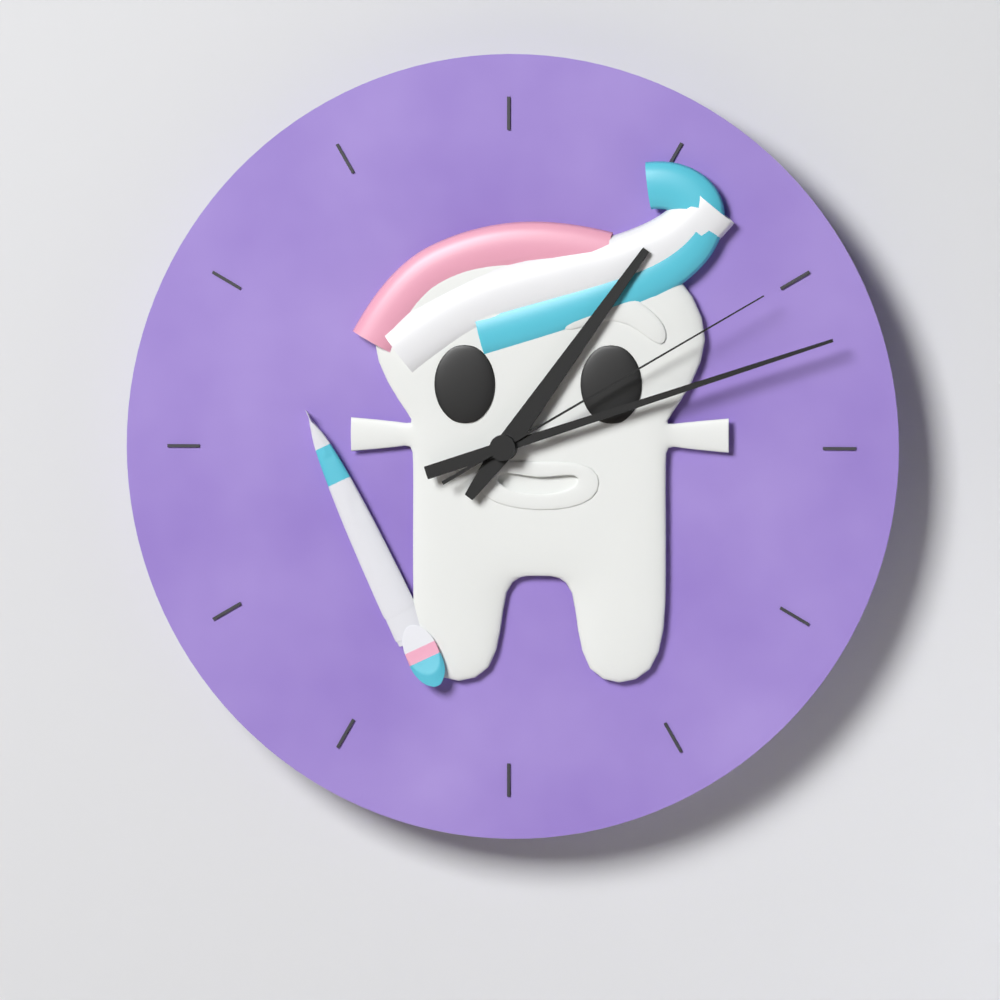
1:12:10
